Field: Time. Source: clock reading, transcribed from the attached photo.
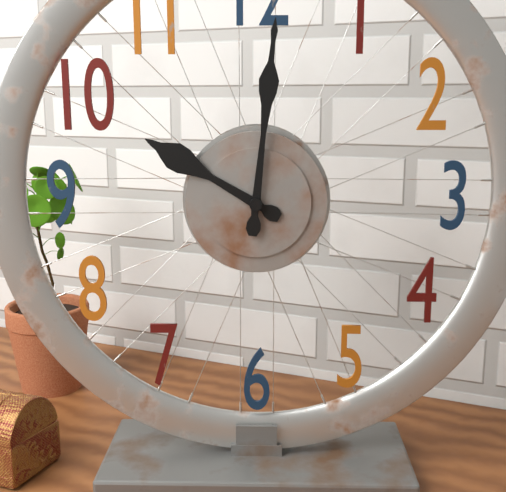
10:01
